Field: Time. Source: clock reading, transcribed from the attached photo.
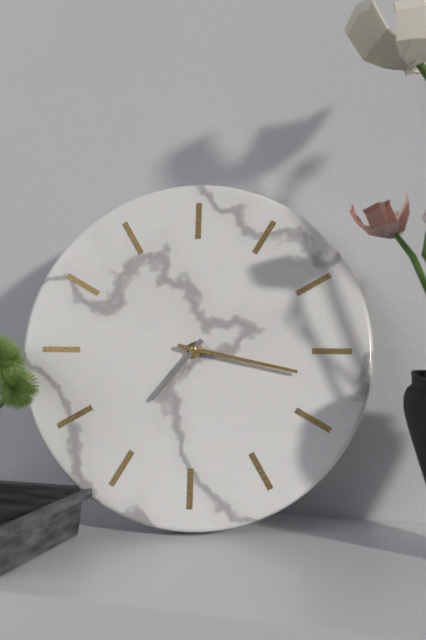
7:17
